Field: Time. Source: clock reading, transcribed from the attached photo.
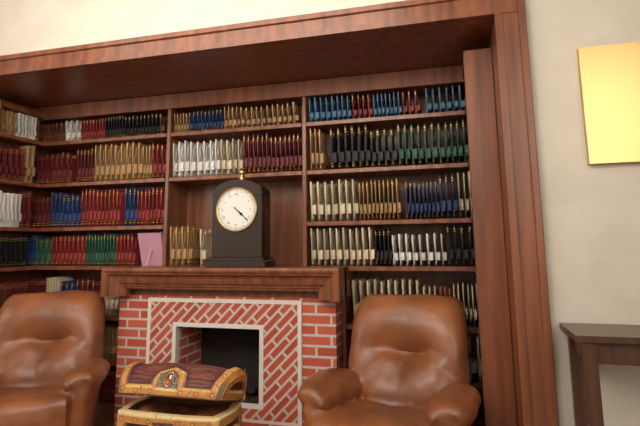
4:22
